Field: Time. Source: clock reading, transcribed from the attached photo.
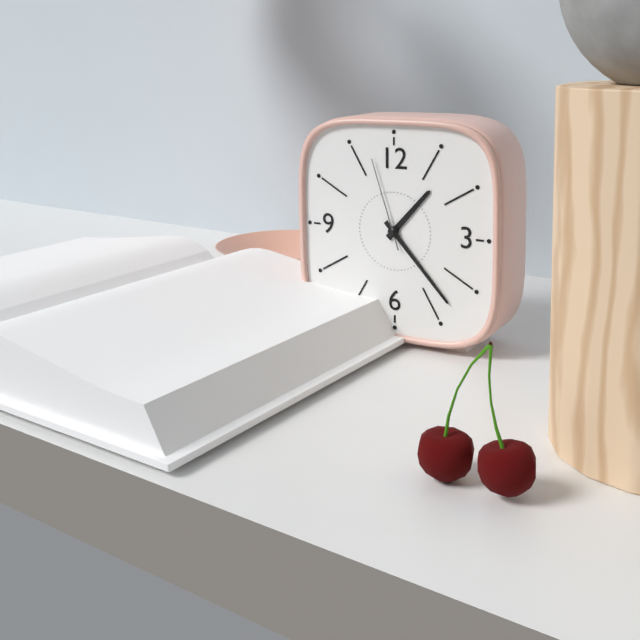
1:23:57
